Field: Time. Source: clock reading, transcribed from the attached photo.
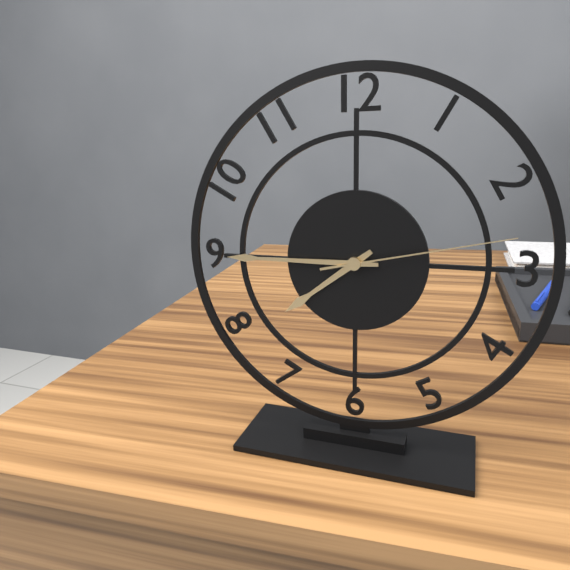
7:45:13
